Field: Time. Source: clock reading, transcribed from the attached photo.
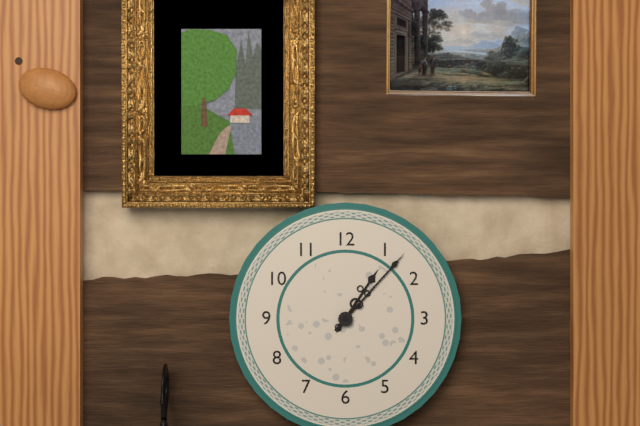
1:07
